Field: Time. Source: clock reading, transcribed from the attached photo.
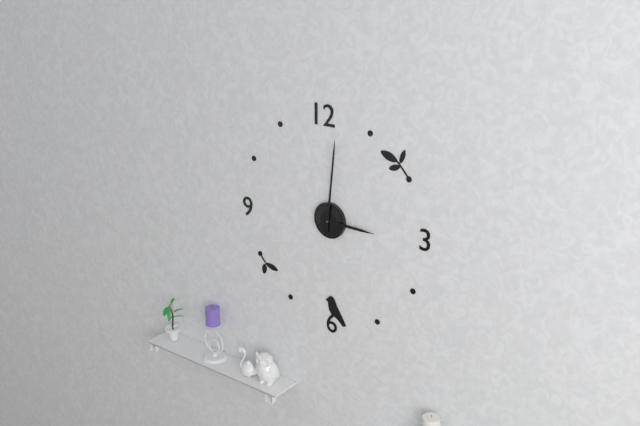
3:01
